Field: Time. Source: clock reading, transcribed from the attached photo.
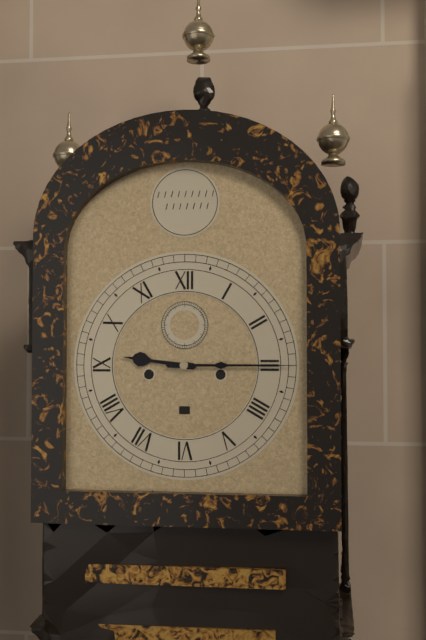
9:15
